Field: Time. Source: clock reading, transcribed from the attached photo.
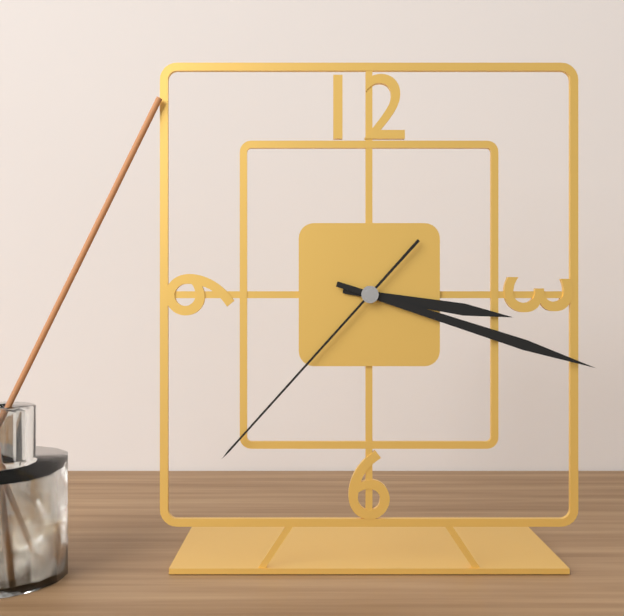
3:18:37
